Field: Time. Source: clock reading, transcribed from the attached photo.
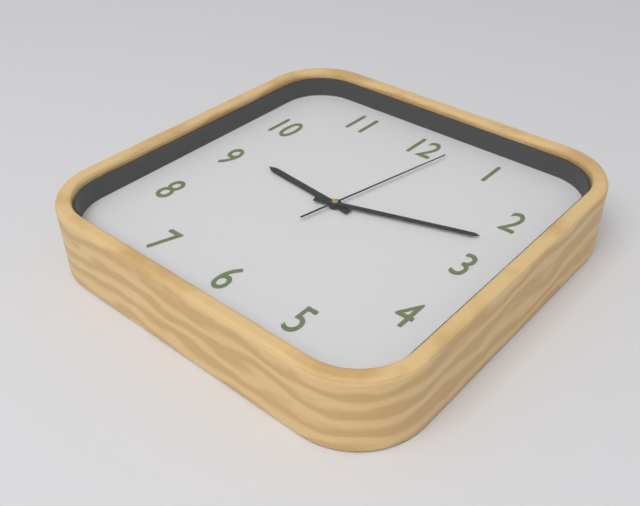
9:12:02
